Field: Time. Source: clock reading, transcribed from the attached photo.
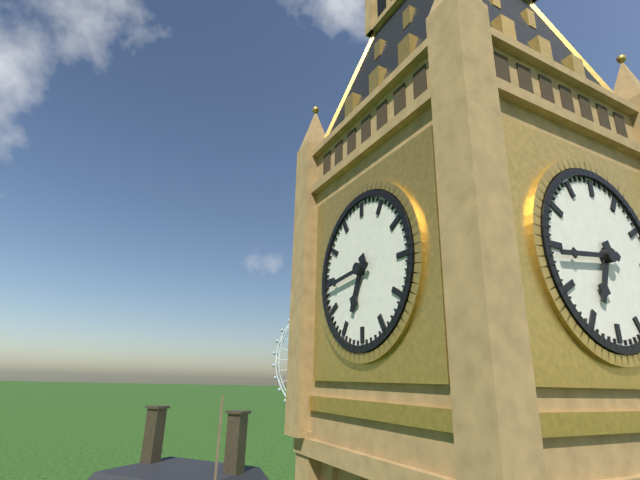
6:44
